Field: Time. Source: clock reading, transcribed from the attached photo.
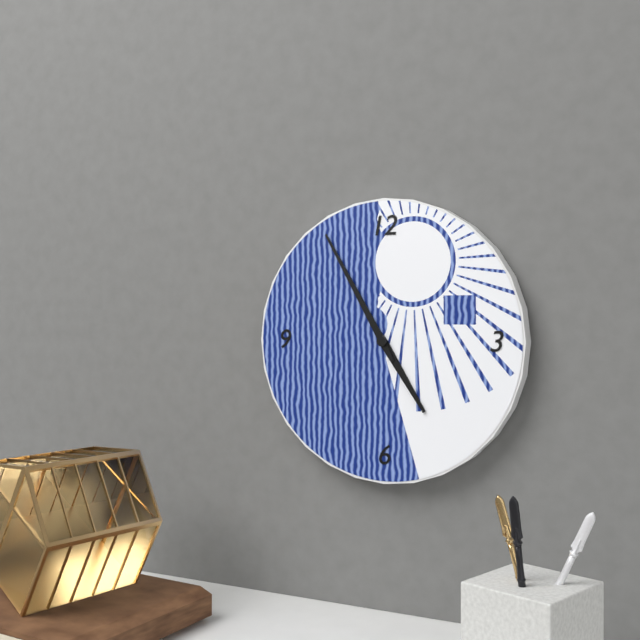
4:55
